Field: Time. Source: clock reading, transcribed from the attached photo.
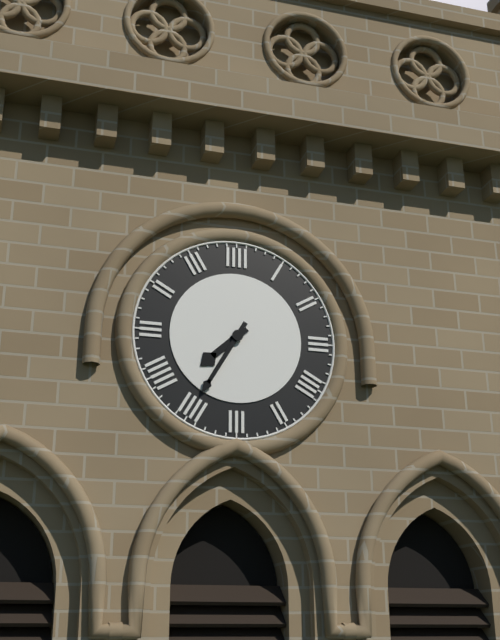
7:35
